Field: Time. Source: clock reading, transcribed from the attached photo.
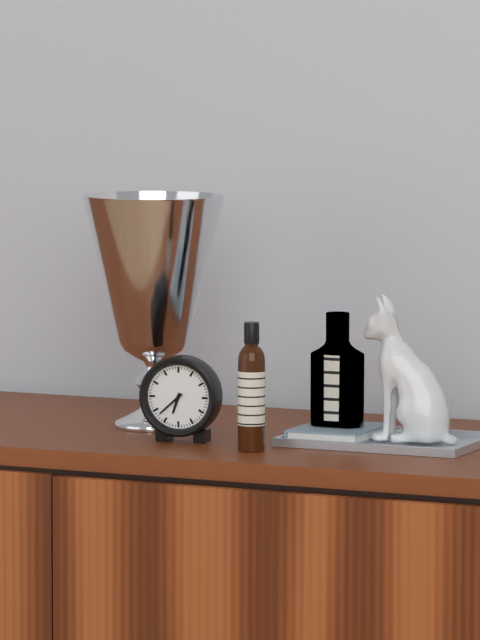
6:38
